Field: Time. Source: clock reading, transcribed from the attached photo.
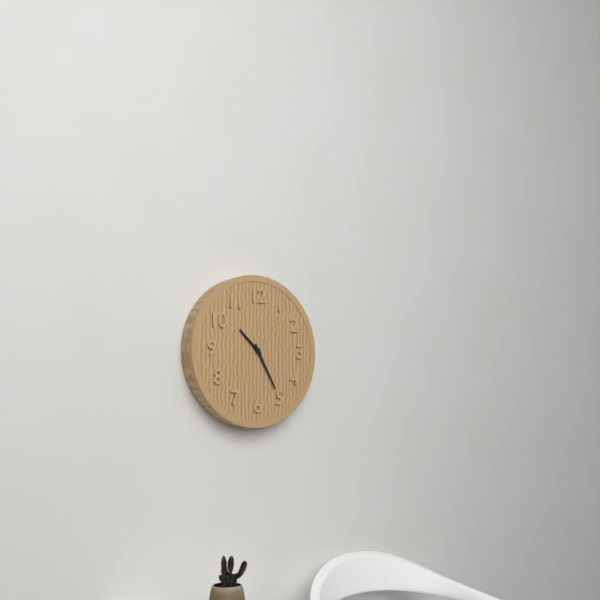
10:25
